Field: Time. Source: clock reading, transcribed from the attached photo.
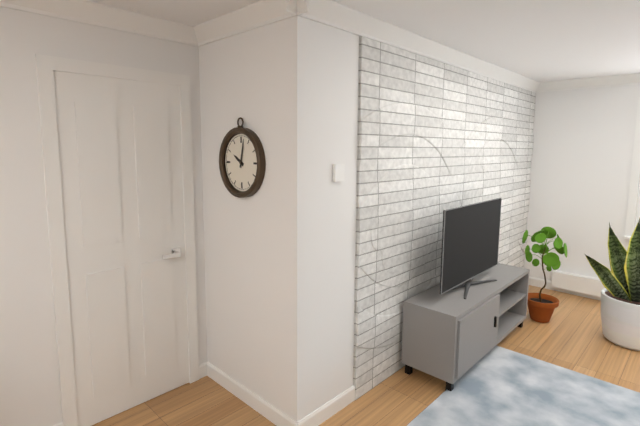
10:02
